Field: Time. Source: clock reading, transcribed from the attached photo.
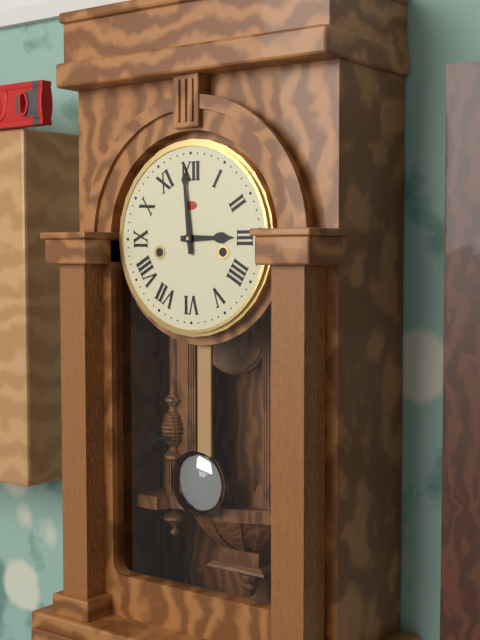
2:59
